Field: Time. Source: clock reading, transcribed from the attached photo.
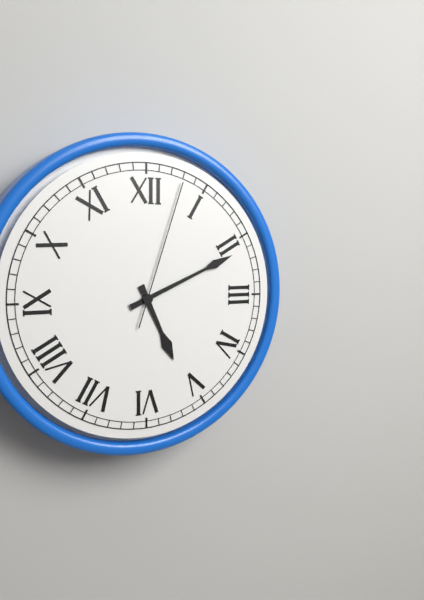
5:11:03
